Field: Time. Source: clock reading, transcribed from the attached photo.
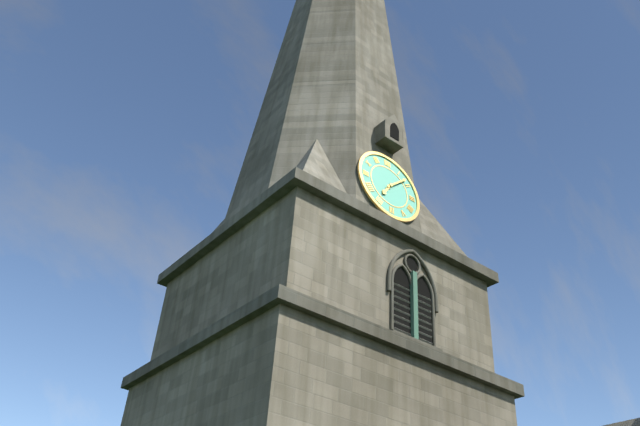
7:08
